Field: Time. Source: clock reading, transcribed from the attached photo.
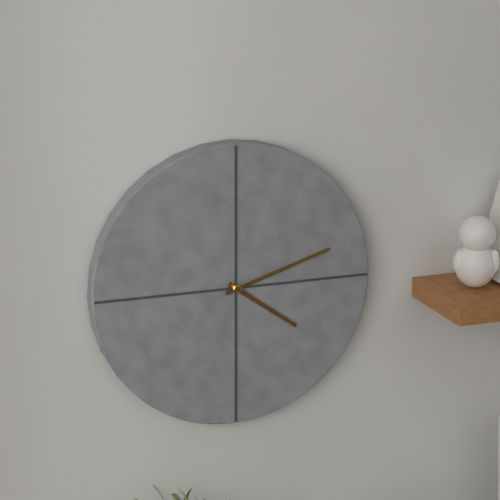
4:12
